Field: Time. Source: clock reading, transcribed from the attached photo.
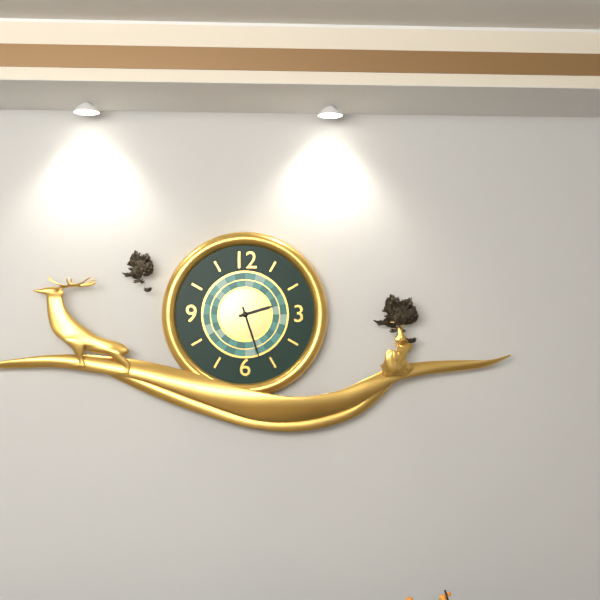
2:27
